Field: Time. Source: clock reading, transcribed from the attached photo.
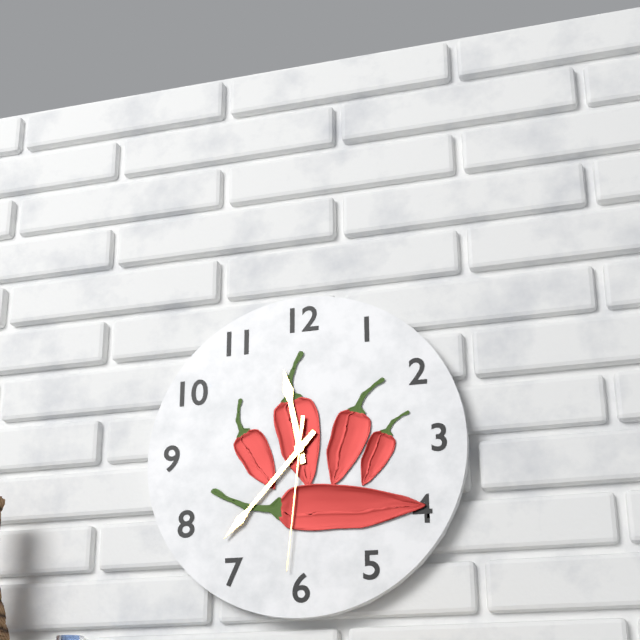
11:37:31
